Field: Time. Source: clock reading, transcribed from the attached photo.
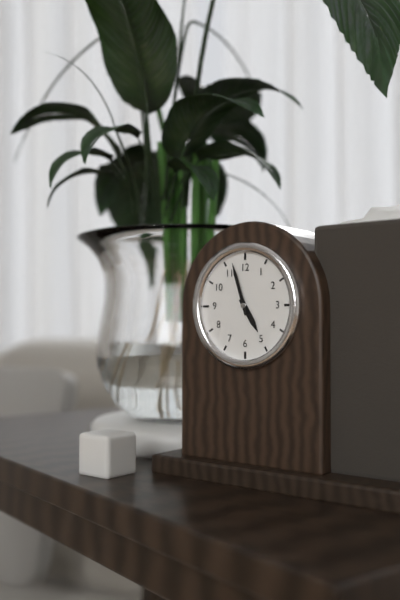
4:57
